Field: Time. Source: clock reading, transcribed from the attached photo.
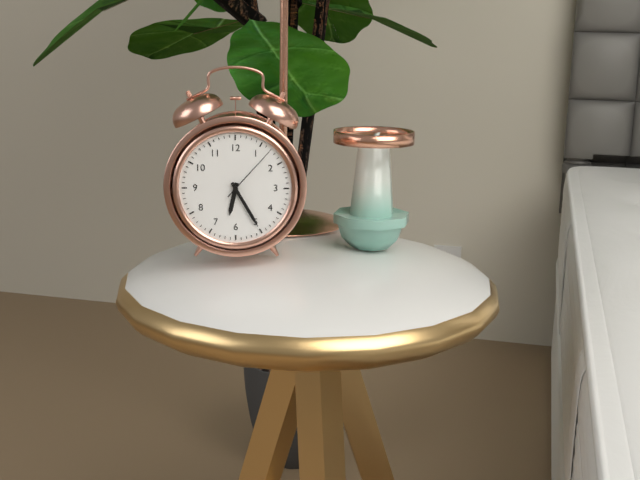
6:25:07
